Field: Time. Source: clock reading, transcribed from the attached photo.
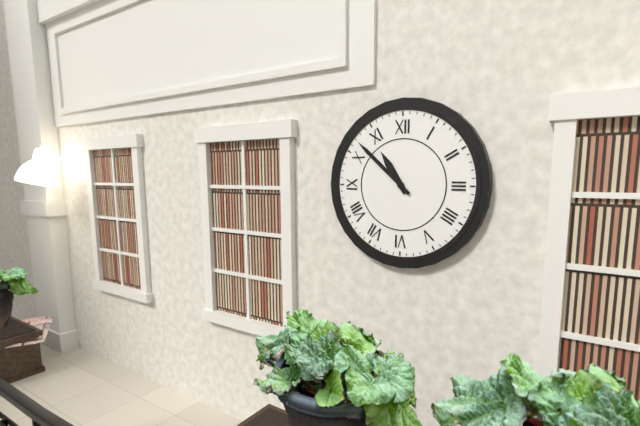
10:52
